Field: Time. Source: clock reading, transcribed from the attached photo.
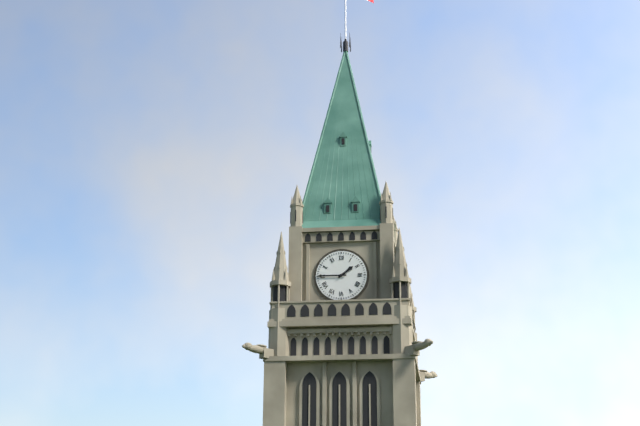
1:45
